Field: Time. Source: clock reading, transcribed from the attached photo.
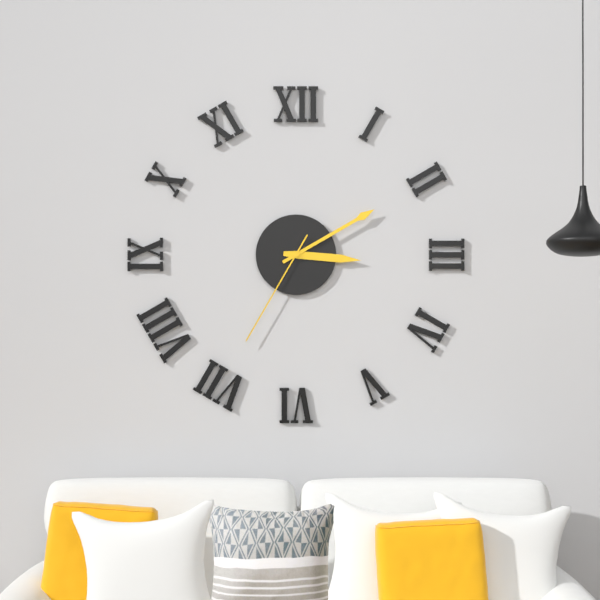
3:10:35
